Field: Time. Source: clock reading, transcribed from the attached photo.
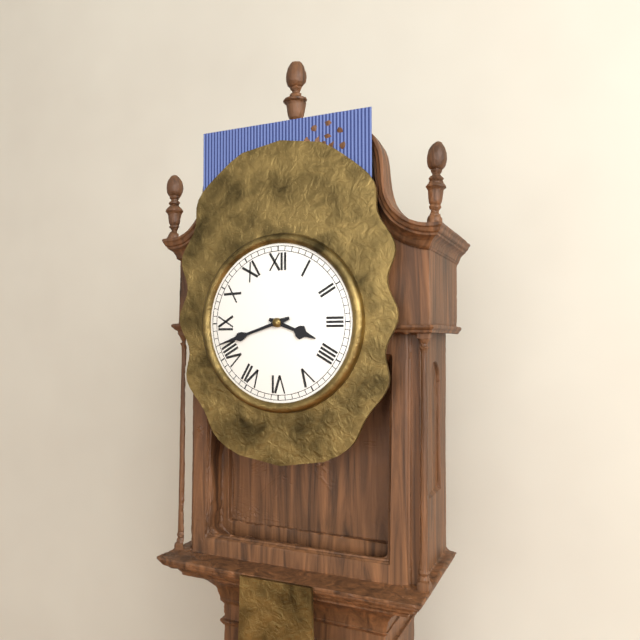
3:42
